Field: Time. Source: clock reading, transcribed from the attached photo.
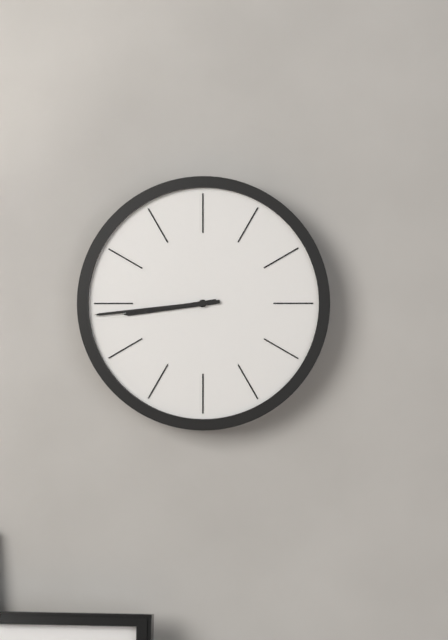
8:44
